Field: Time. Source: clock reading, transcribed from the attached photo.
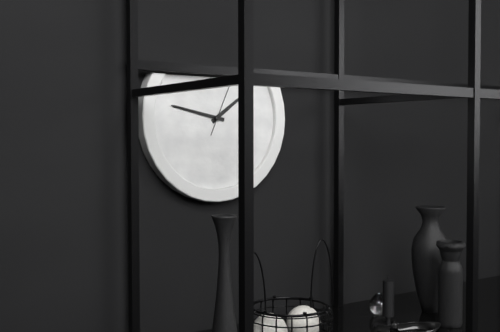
1:47:04
